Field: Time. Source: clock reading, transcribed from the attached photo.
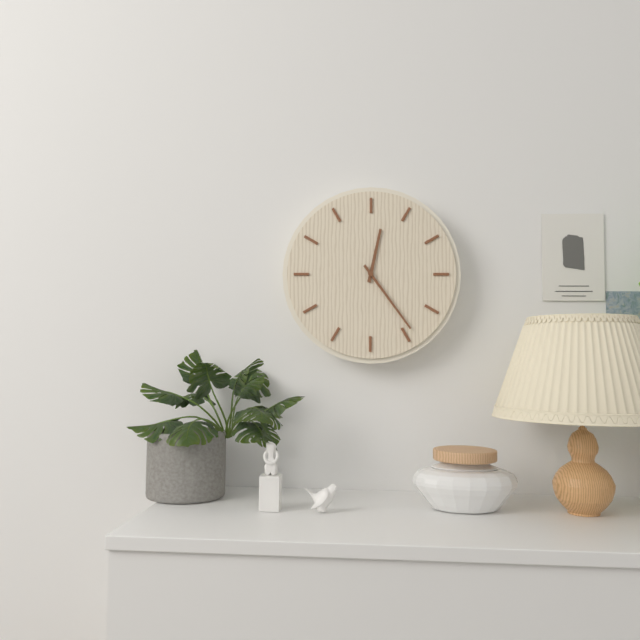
12:24
